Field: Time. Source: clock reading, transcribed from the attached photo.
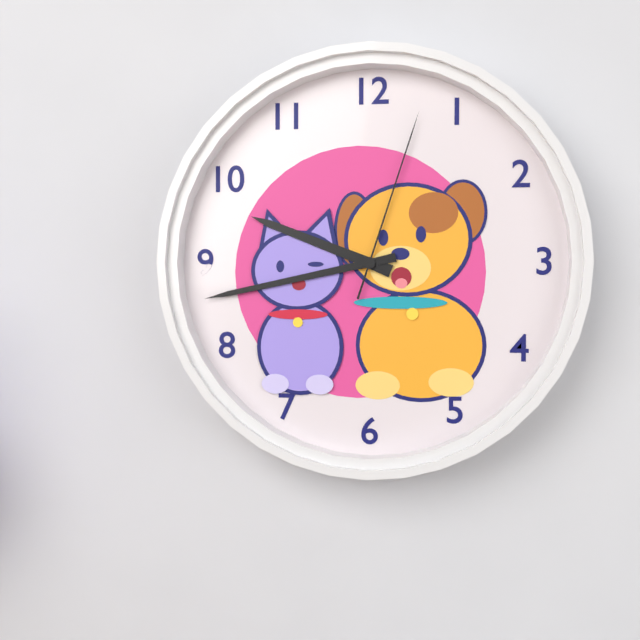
9:43:03
